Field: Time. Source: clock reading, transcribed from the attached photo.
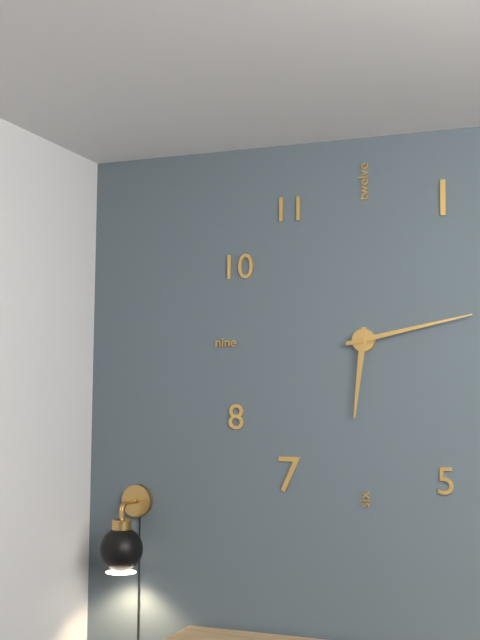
6:13
